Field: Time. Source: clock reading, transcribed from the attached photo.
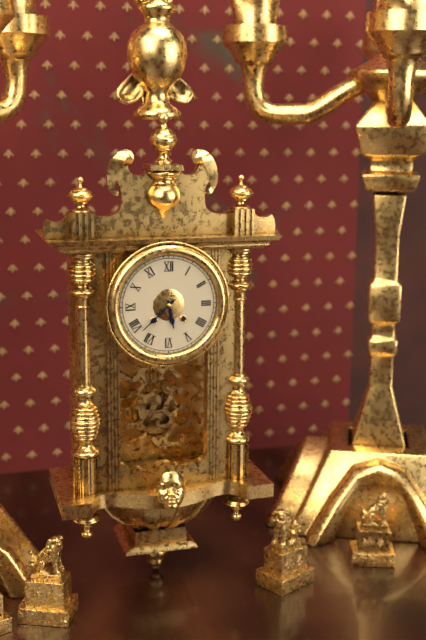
5:38
